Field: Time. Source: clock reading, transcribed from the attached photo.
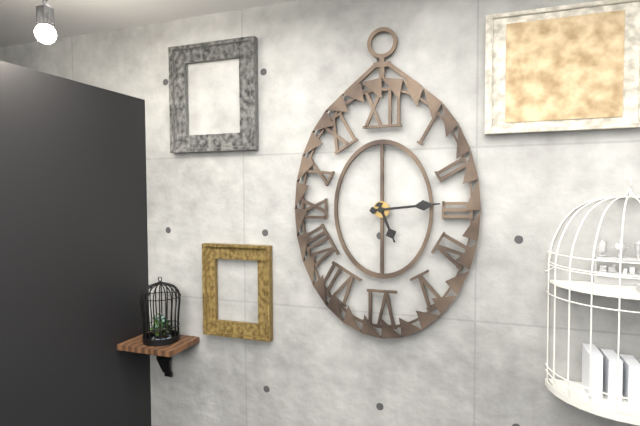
5:14
